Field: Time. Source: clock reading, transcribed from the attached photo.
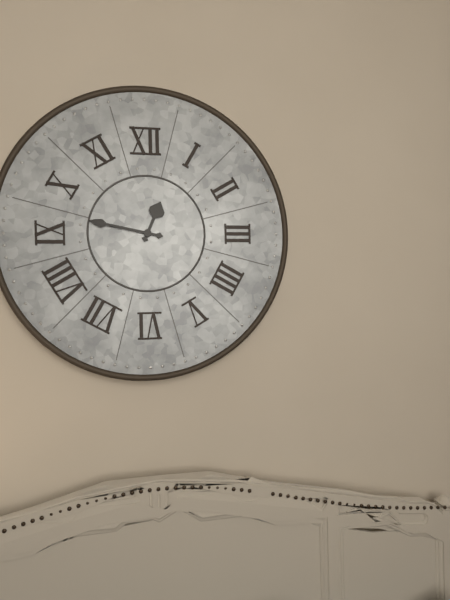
12:47
